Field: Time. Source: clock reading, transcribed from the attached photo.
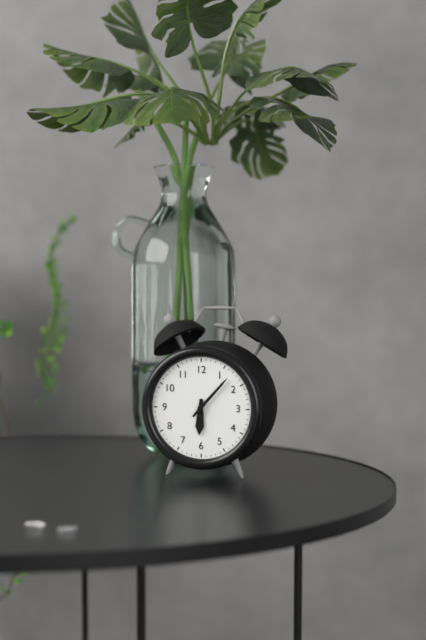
6:07
